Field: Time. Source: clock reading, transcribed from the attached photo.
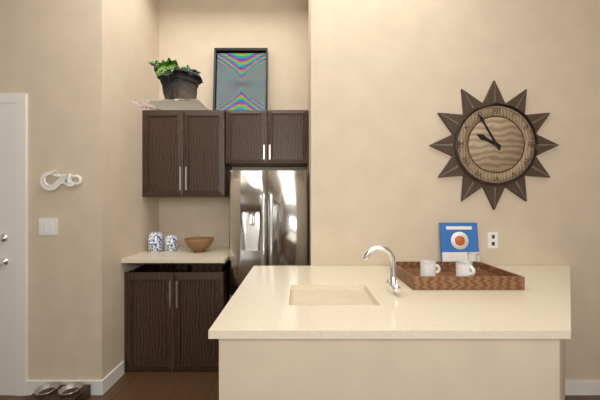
9:55
